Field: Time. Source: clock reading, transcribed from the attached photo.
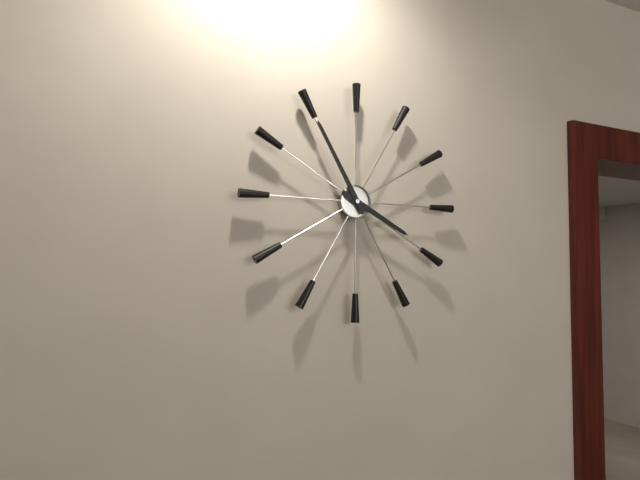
3:55
